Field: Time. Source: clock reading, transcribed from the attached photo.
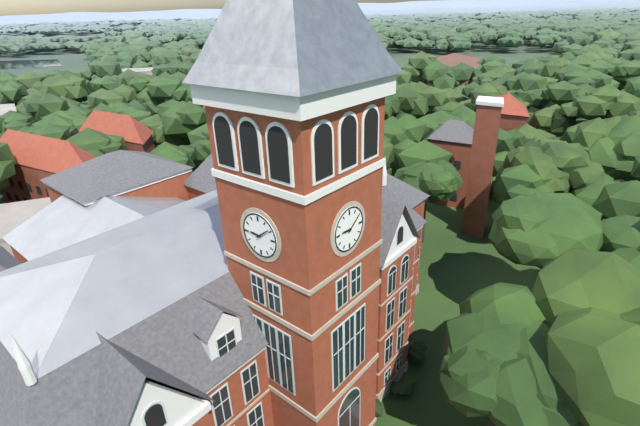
9:09
